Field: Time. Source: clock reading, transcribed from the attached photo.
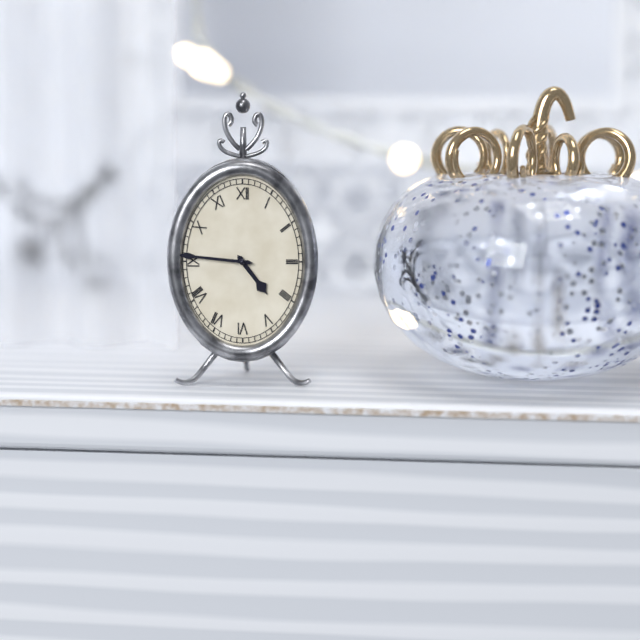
4:46
